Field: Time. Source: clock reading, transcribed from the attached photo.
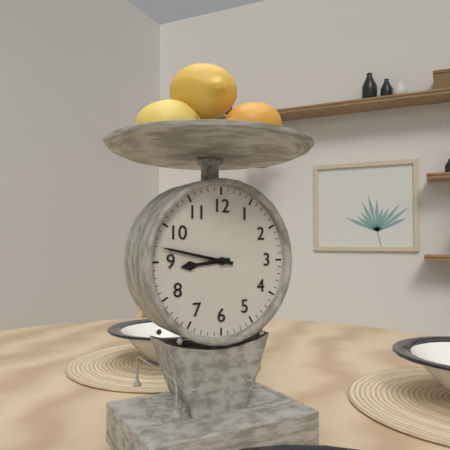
8:47
